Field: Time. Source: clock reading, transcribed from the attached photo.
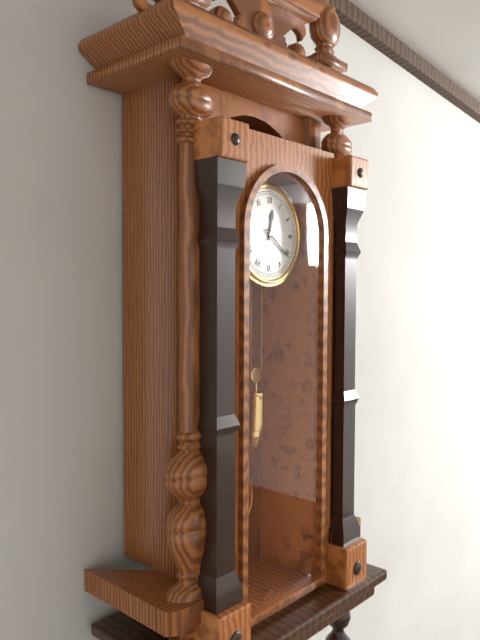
12:21
